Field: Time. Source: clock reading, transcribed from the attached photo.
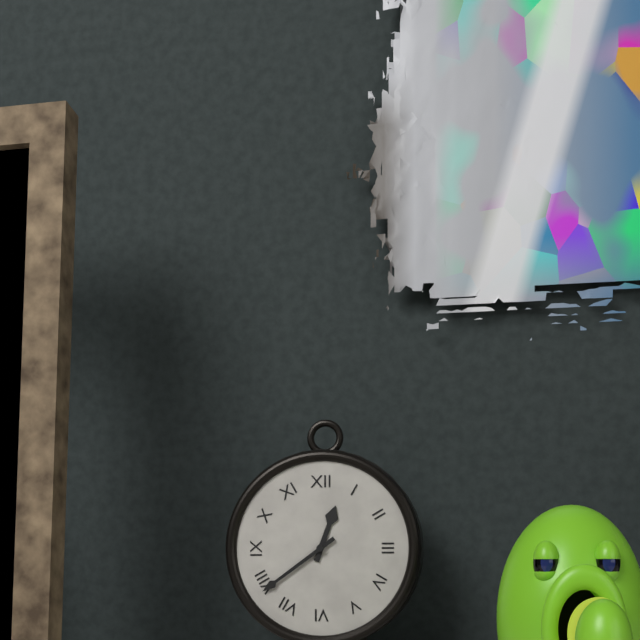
12:39
